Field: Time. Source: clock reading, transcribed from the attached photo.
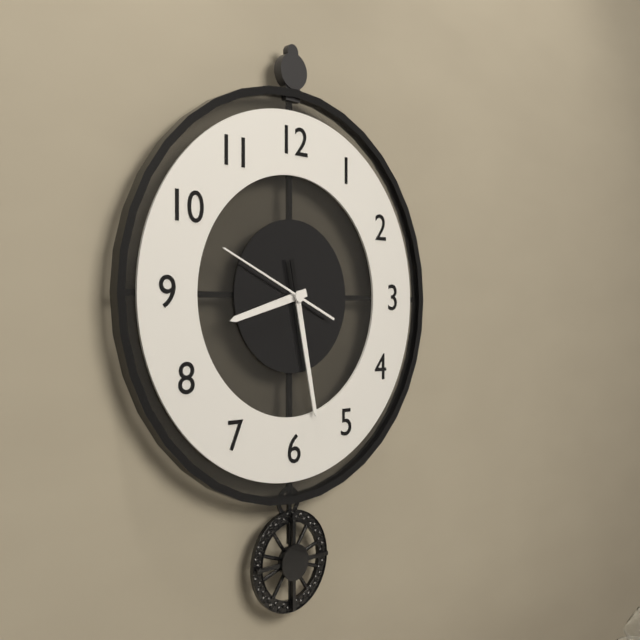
8:28:49
